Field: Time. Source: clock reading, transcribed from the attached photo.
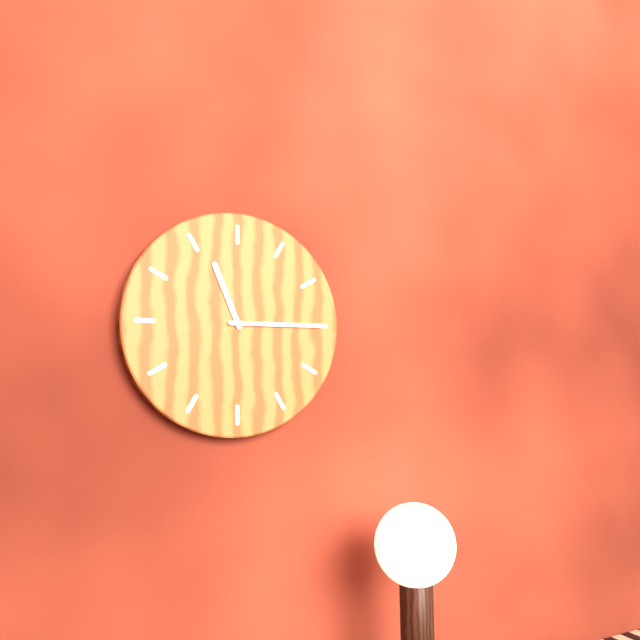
11:15
